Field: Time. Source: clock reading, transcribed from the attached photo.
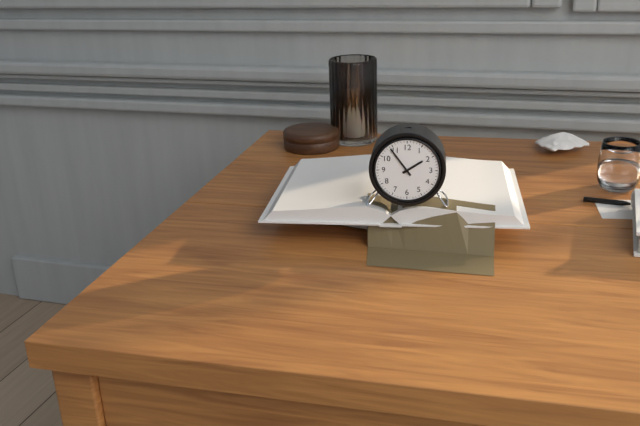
1:54
